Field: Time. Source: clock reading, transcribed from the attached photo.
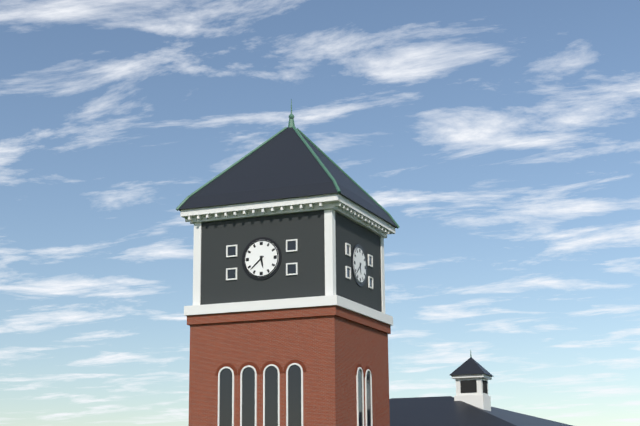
5:38
